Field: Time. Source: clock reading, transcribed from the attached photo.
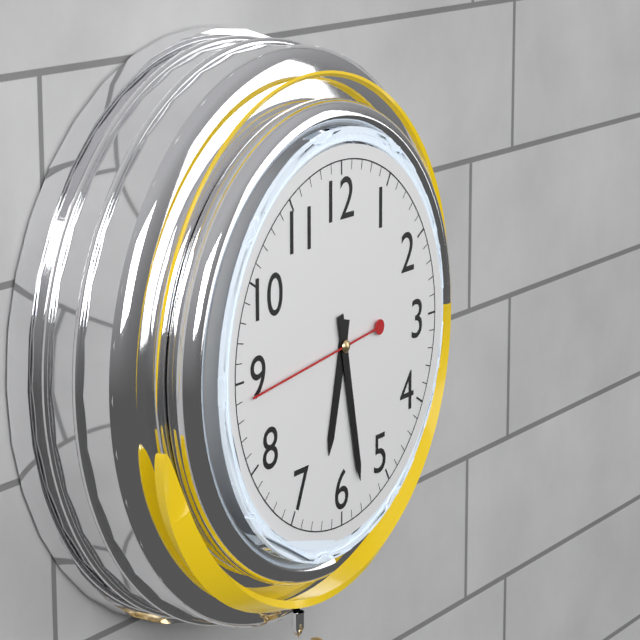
6:28:44
